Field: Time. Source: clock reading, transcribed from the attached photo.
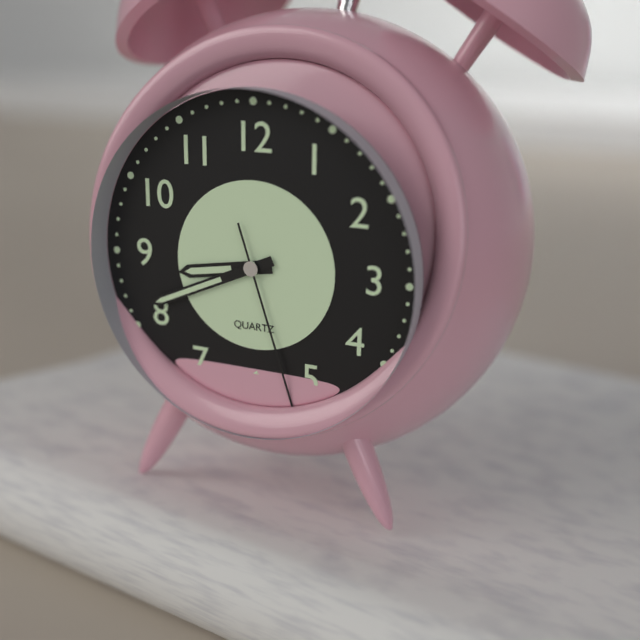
8:41:27
